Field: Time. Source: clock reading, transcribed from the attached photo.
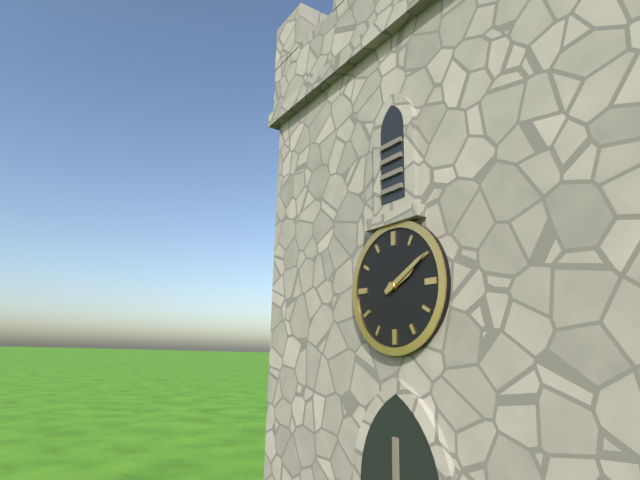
2:10
